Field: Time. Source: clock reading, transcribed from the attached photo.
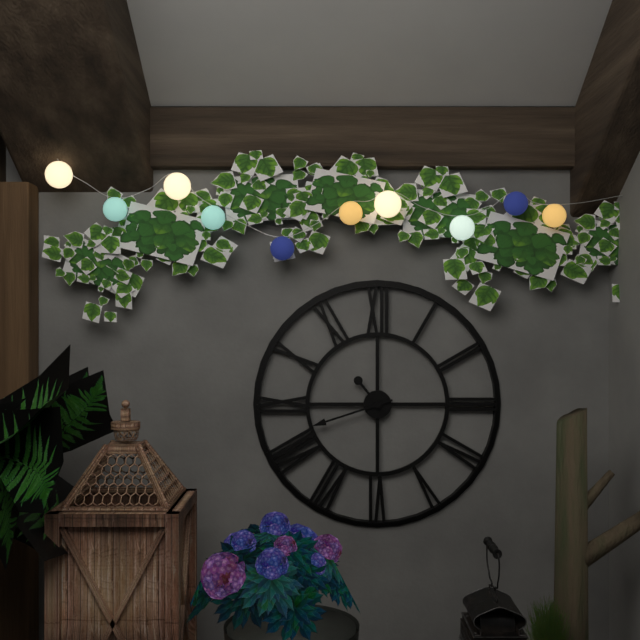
10:42
